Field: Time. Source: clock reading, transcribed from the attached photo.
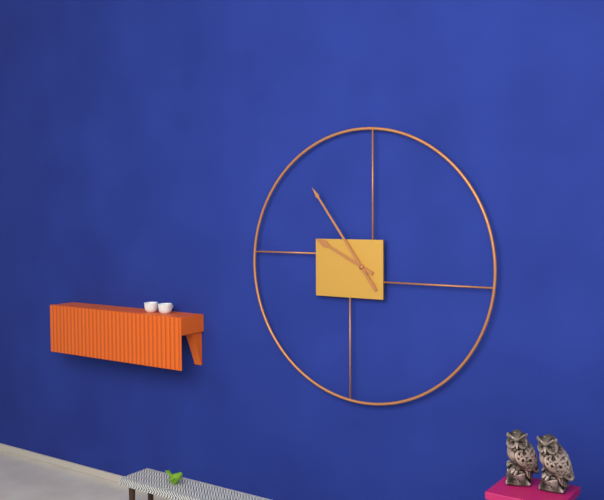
9:54
